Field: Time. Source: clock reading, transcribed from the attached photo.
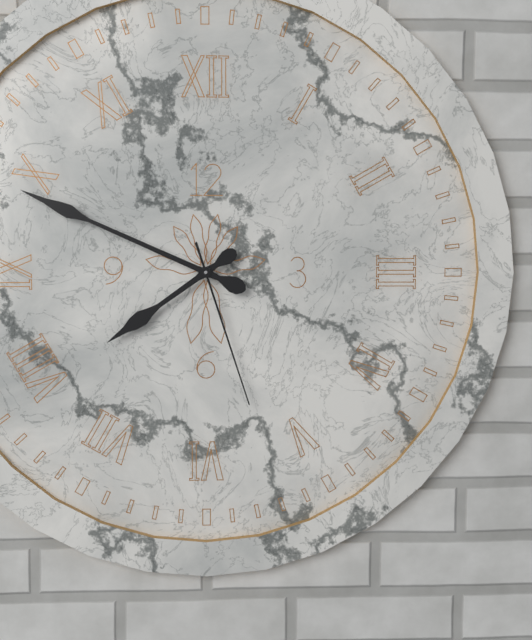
7:49:27
